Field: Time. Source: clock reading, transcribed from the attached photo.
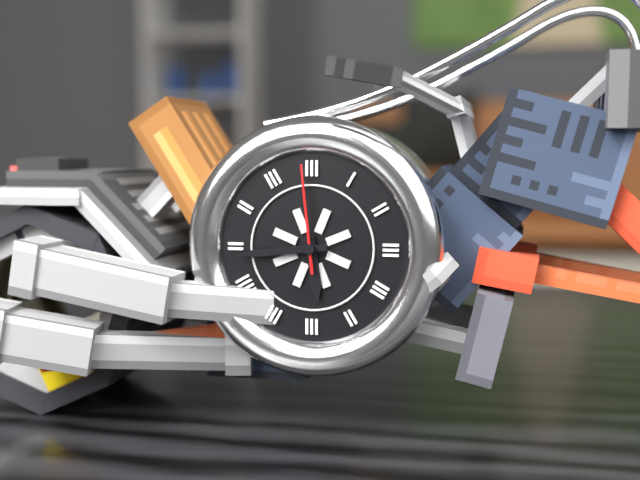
5:44:59
